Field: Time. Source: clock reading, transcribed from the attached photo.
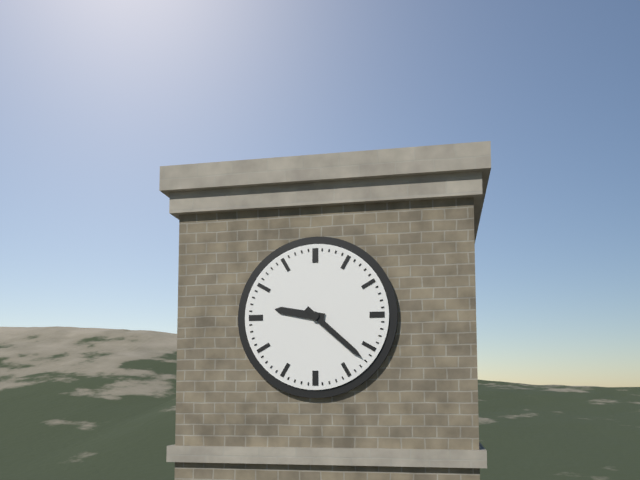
9:22
